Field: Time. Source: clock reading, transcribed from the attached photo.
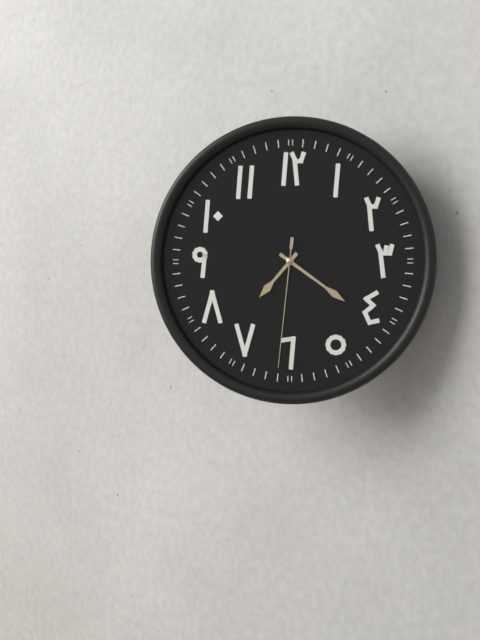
7:21:31
